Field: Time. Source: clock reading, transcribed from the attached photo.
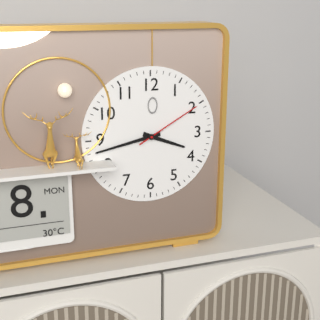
3:43:10
